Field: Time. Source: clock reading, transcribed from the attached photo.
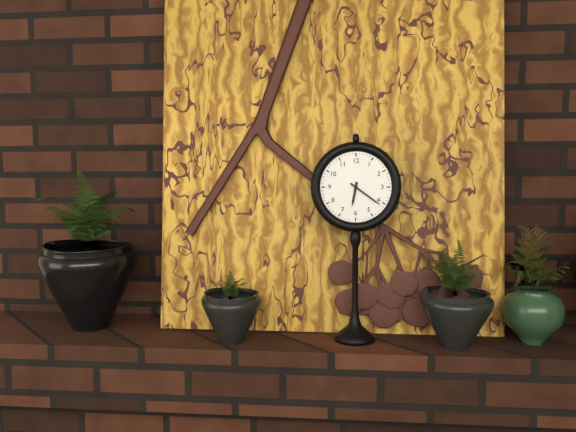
6:21
